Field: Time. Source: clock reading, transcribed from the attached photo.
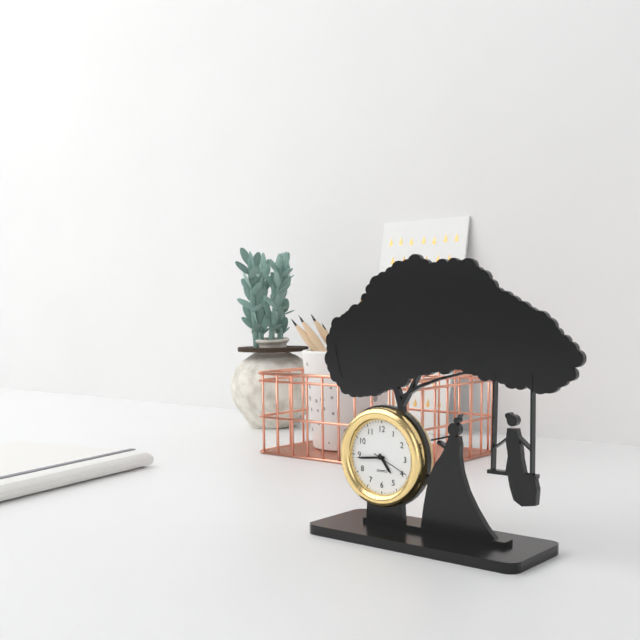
4:44
